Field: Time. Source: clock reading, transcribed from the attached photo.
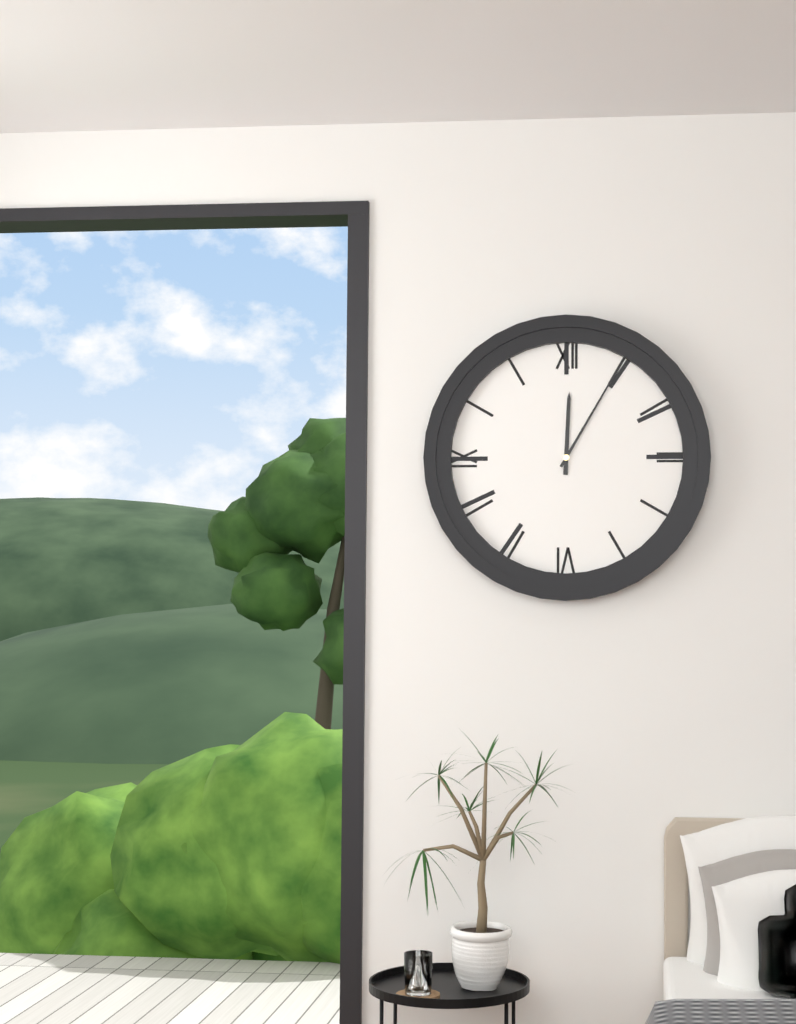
12:05
